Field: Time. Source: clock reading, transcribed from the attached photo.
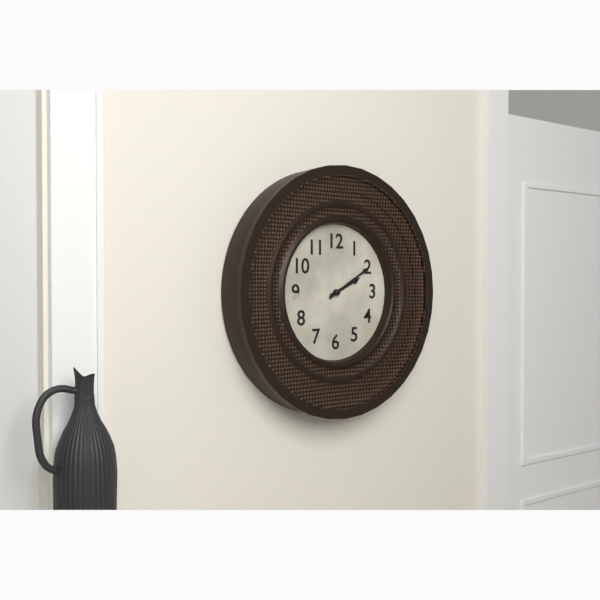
2:10
